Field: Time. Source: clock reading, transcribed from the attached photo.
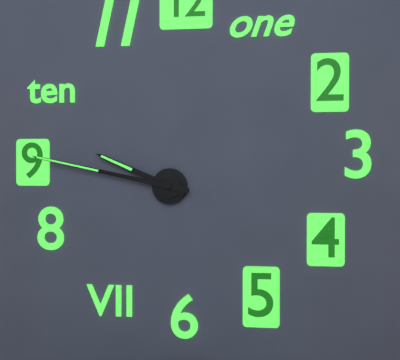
9:47
